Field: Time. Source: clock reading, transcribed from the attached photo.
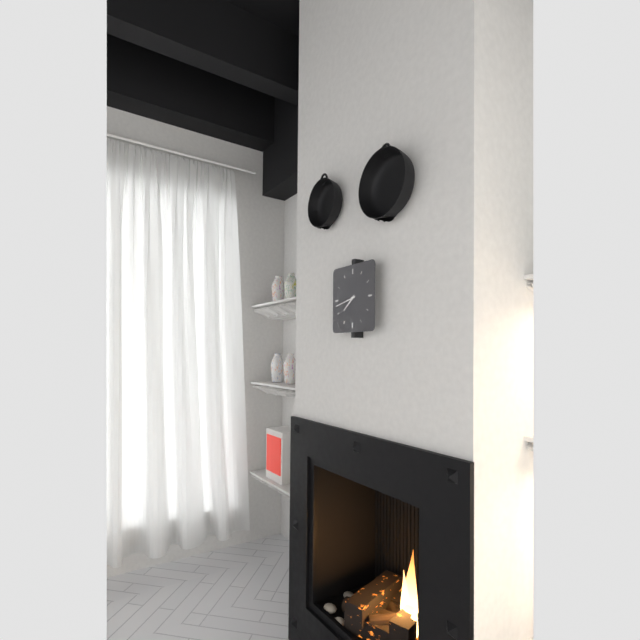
7:43
